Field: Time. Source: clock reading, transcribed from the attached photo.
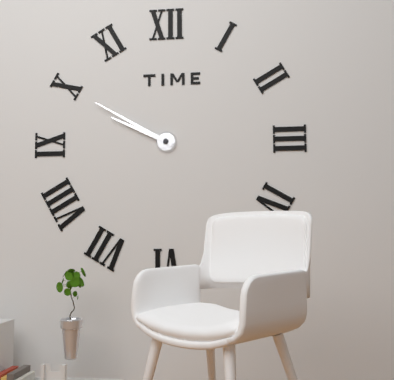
9:50
